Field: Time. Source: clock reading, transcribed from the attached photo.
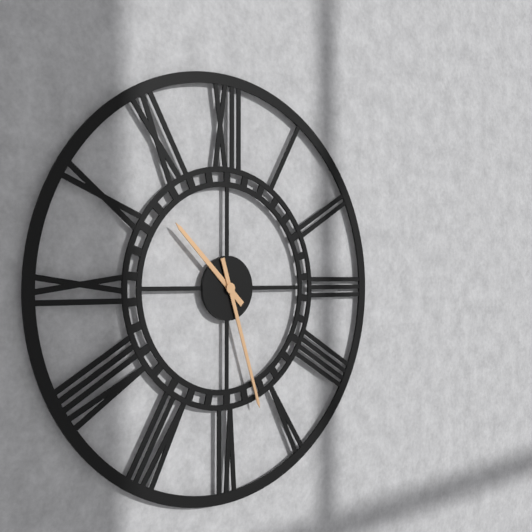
10:27
